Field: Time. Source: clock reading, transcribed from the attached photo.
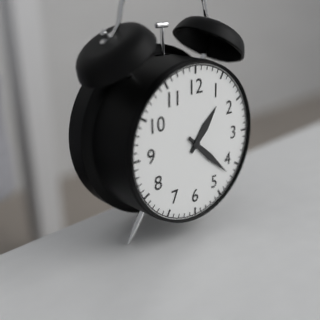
1:22
